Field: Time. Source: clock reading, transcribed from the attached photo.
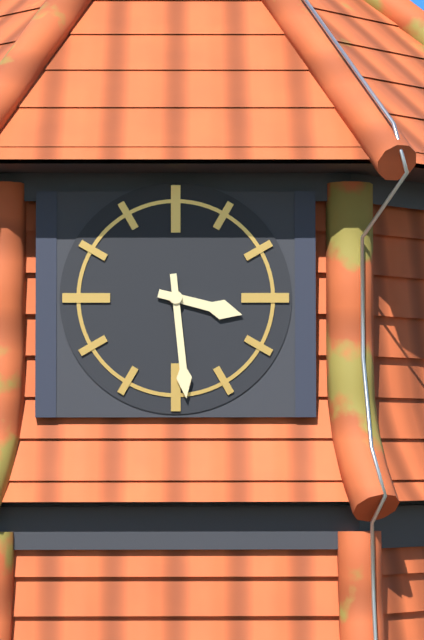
3:29
